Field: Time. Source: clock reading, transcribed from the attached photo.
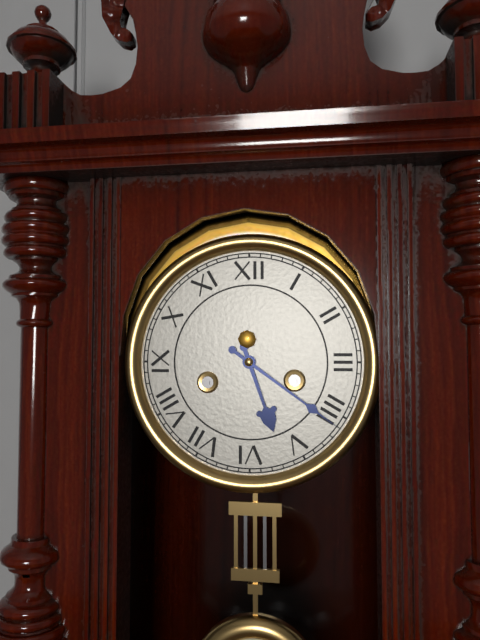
5:21
